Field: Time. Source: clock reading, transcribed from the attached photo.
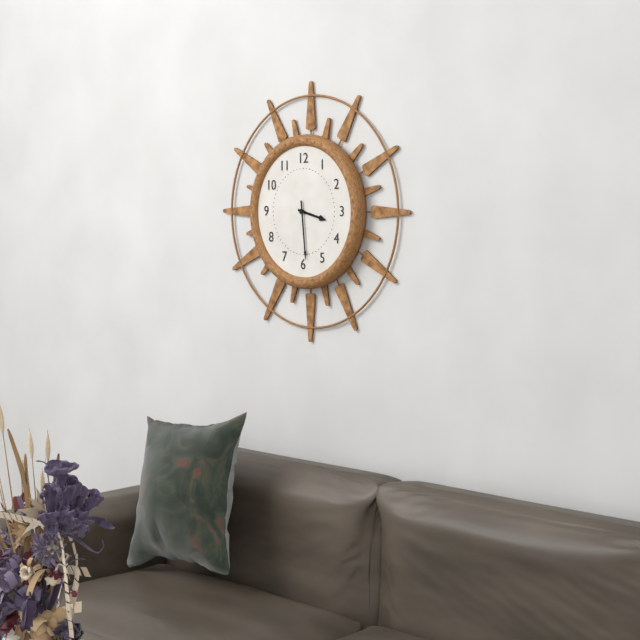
3:29
